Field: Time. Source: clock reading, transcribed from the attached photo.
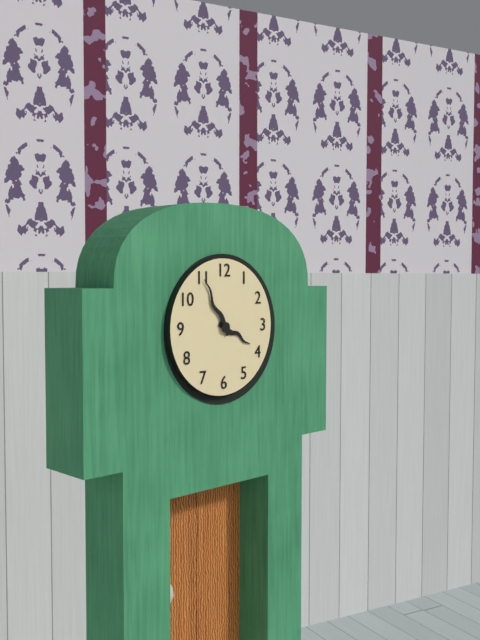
3:55
